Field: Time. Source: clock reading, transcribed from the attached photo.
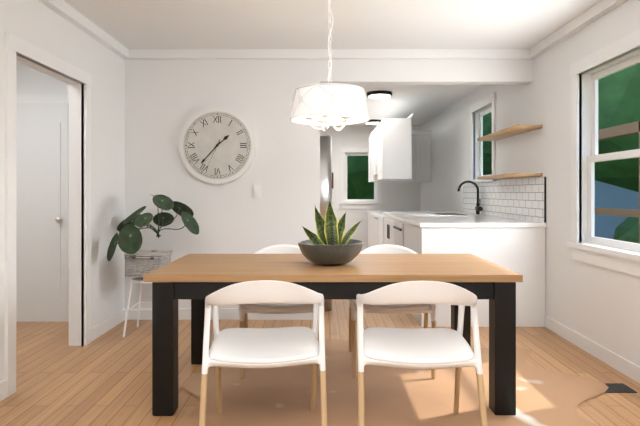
1:37
